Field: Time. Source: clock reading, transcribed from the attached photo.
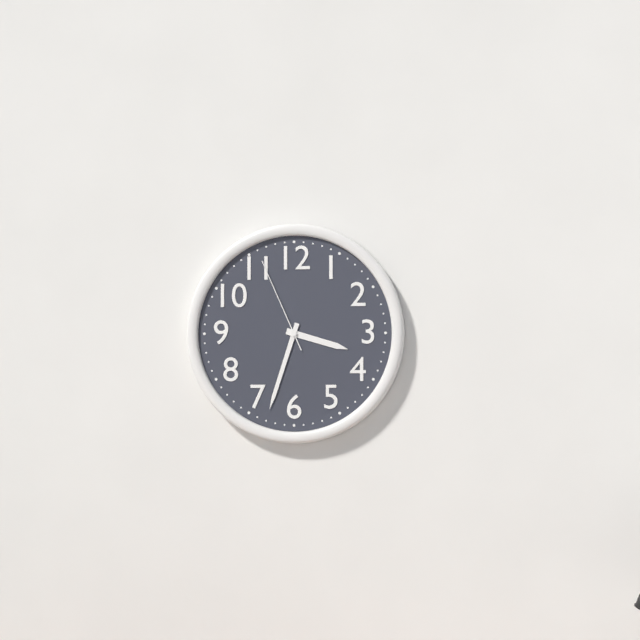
3:33:56
